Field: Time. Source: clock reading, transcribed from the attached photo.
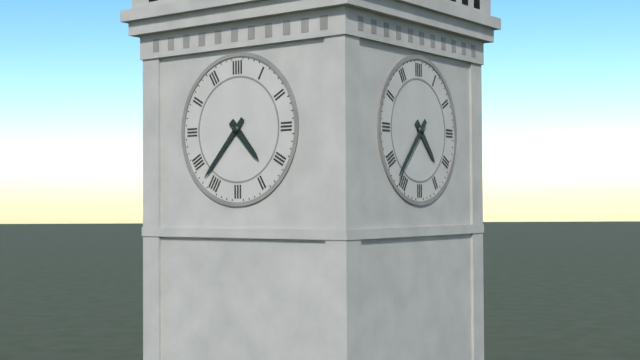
4:37
